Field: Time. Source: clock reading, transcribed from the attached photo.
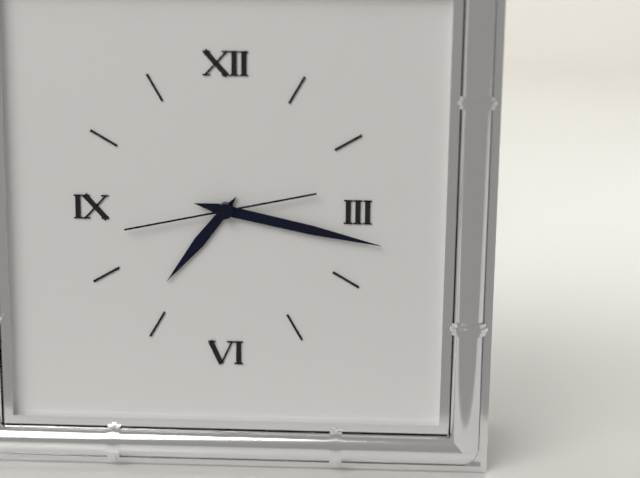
7:17:43
